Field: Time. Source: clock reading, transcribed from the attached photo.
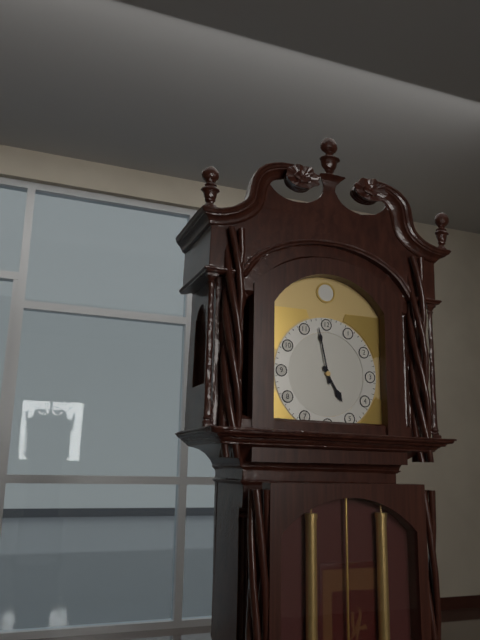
4:58
